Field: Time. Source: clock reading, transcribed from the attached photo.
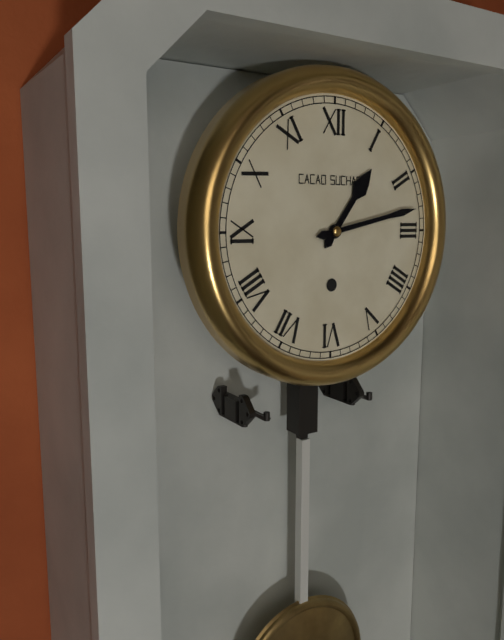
1:13
